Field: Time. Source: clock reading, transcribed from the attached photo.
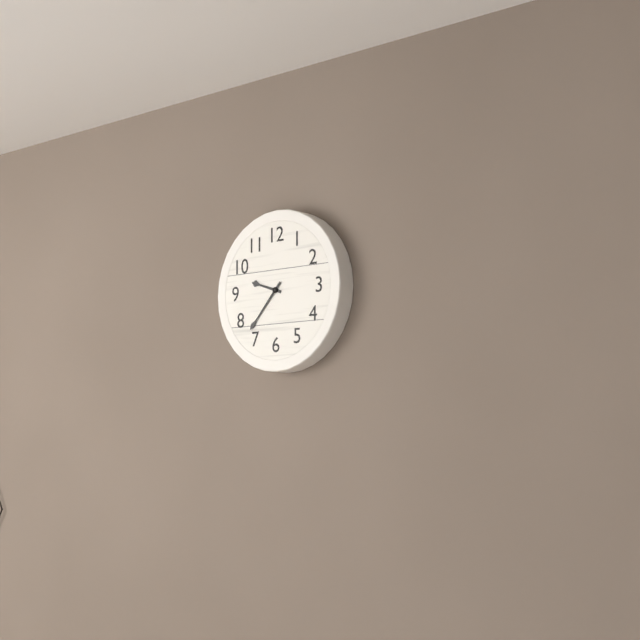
9:37
